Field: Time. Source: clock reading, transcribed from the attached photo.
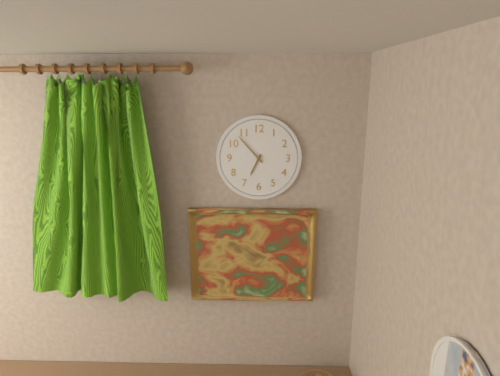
6:53
